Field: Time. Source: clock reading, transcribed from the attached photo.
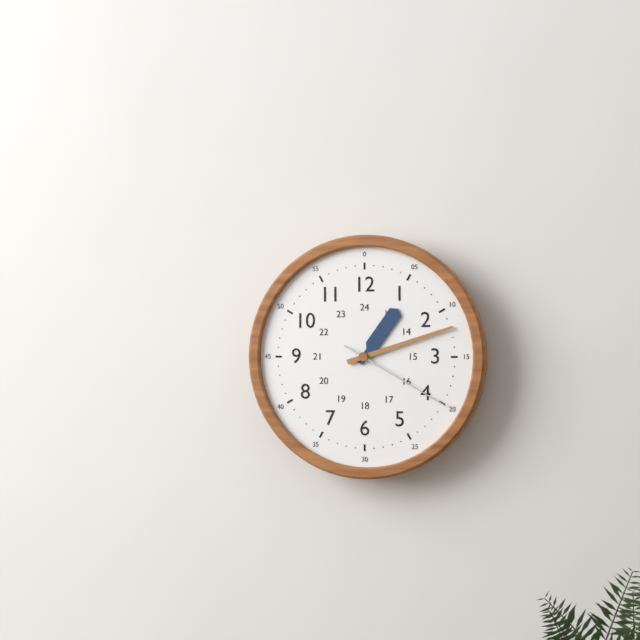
1:12:20
